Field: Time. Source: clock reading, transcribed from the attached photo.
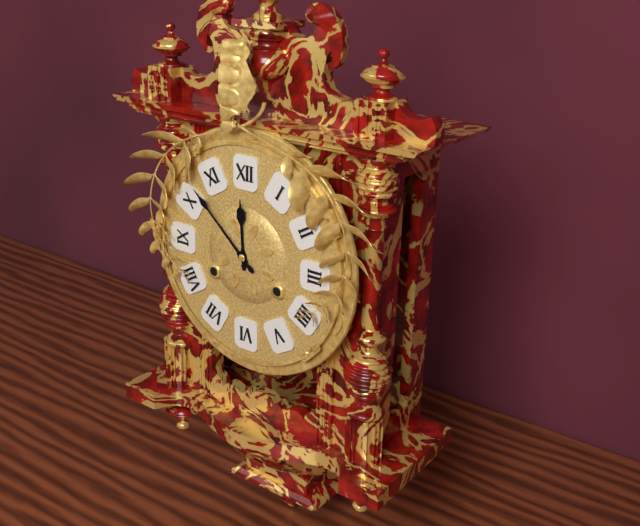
11:52
